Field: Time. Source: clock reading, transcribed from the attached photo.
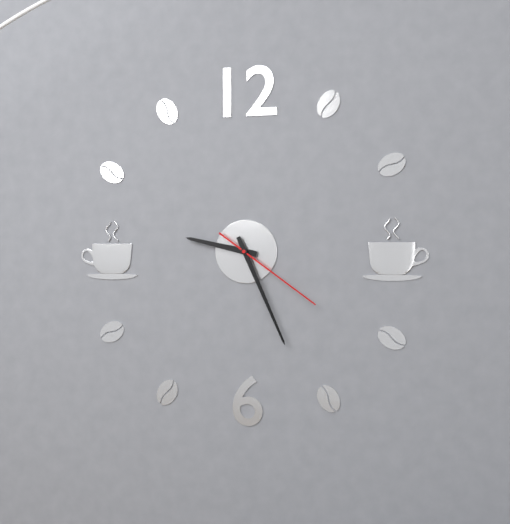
9:26:21
